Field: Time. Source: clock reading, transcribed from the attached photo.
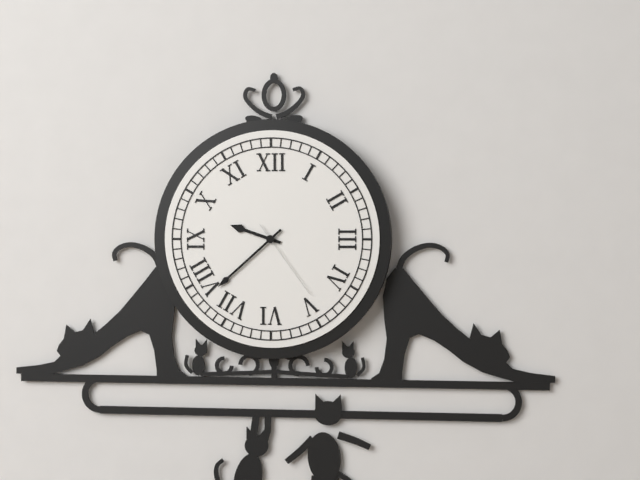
9:38:24
